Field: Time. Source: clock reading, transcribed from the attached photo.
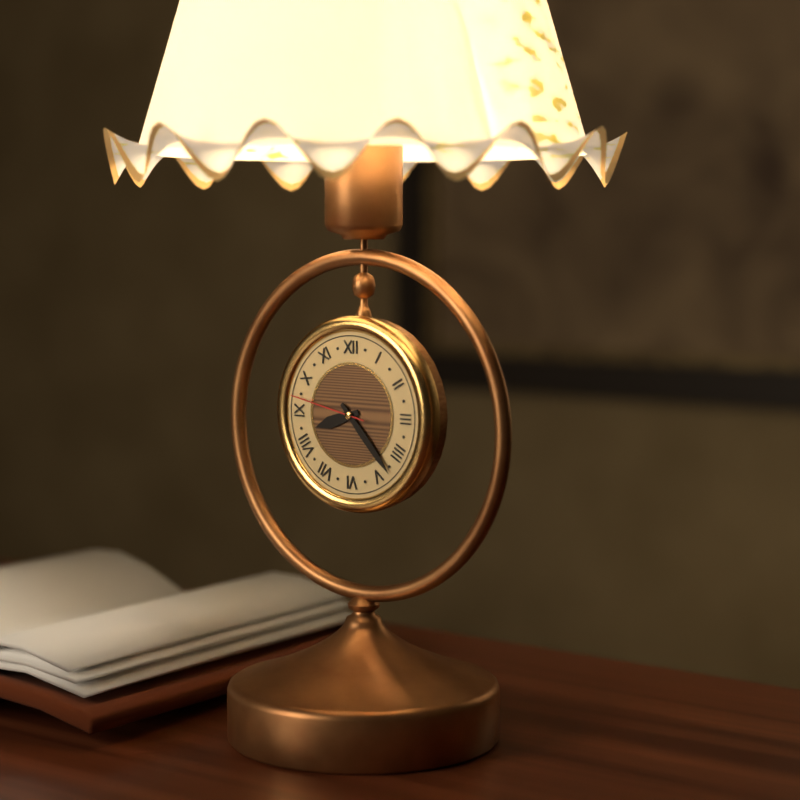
8:23:47
